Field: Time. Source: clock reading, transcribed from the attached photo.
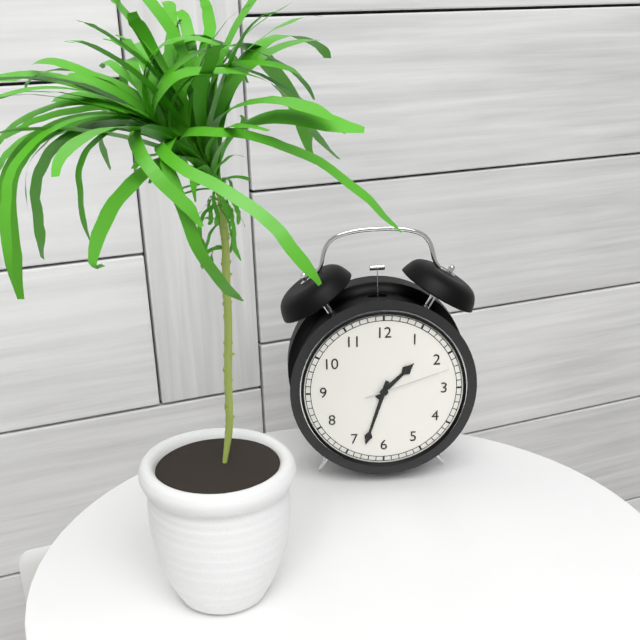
1:33:12
